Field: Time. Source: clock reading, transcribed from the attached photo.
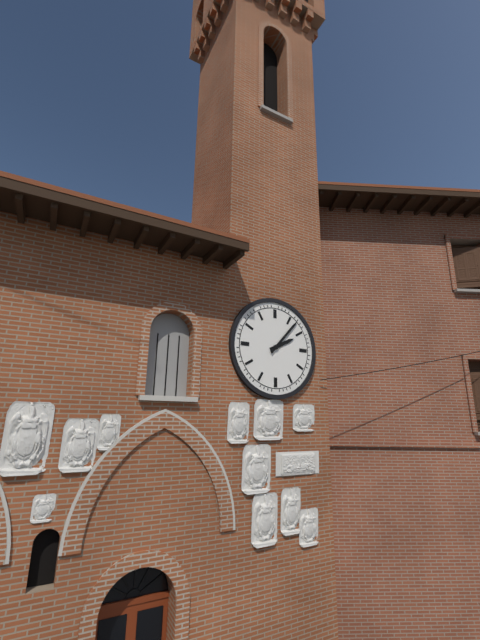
2:07
